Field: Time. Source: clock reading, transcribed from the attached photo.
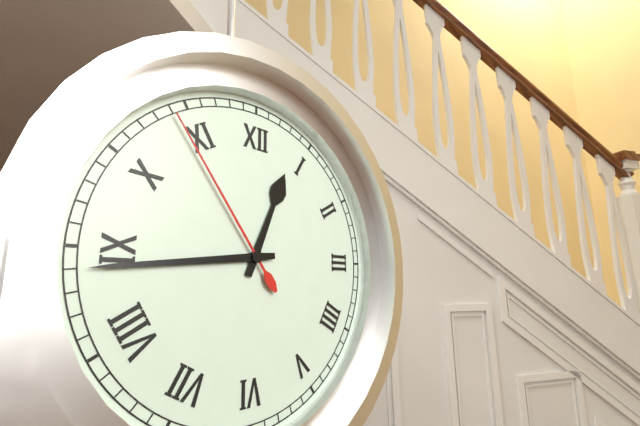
12:44:54
